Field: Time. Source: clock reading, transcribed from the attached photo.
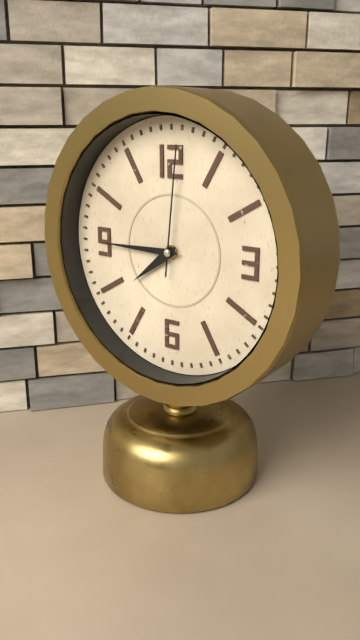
7:45:01
